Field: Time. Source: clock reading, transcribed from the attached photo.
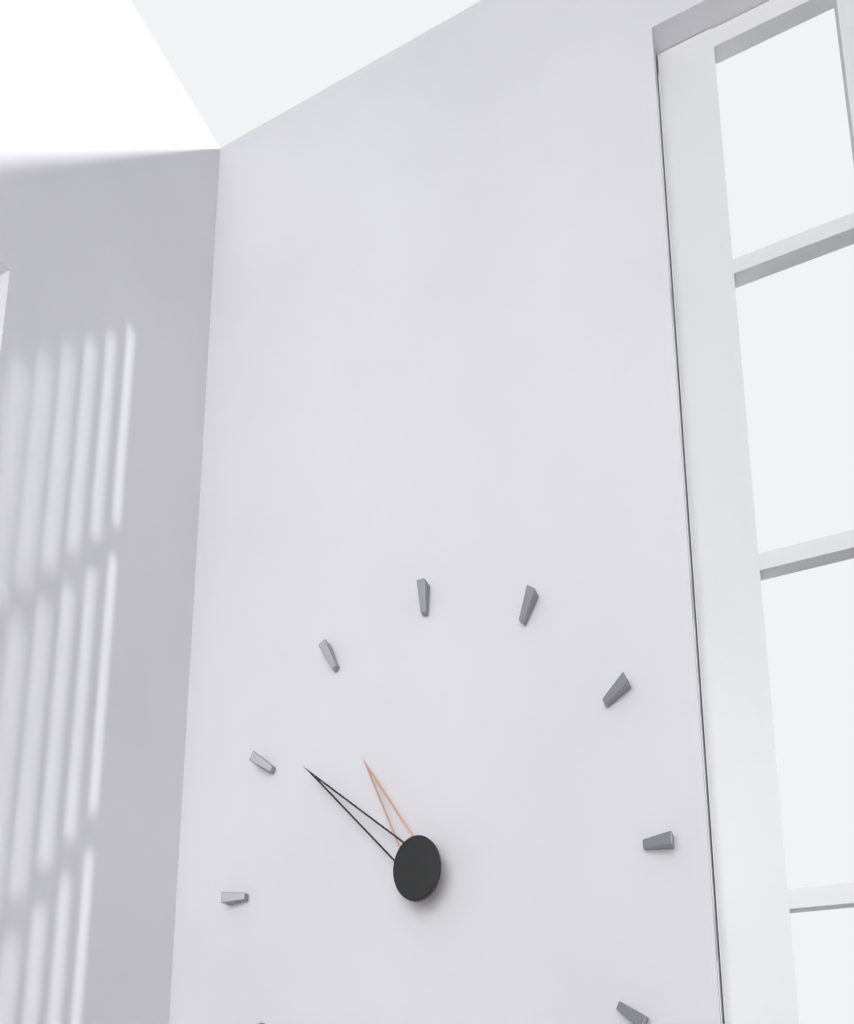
10:51
